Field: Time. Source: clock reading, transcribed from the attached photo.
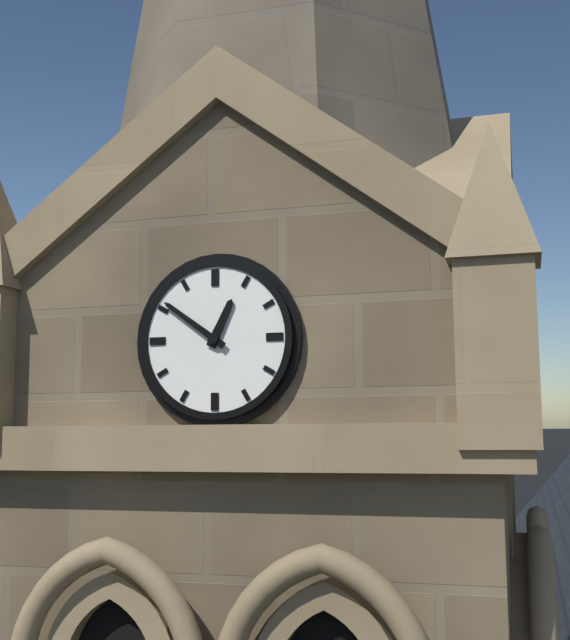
12:51
